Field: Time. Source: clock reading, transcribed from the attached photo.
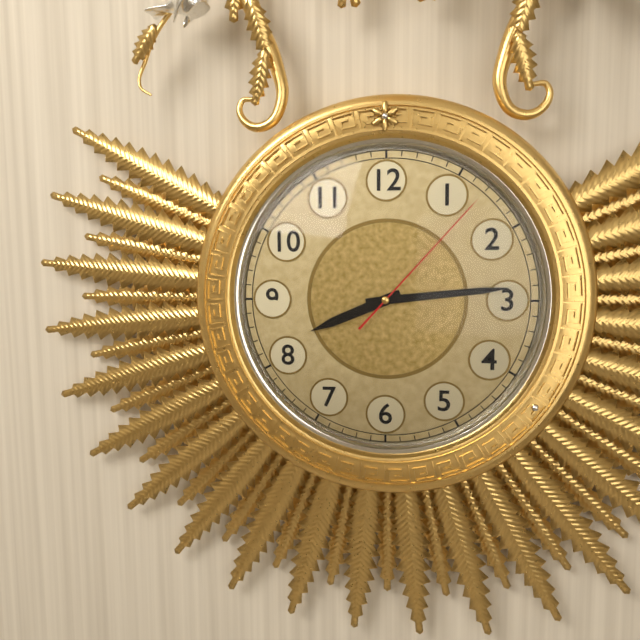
8:14:07
